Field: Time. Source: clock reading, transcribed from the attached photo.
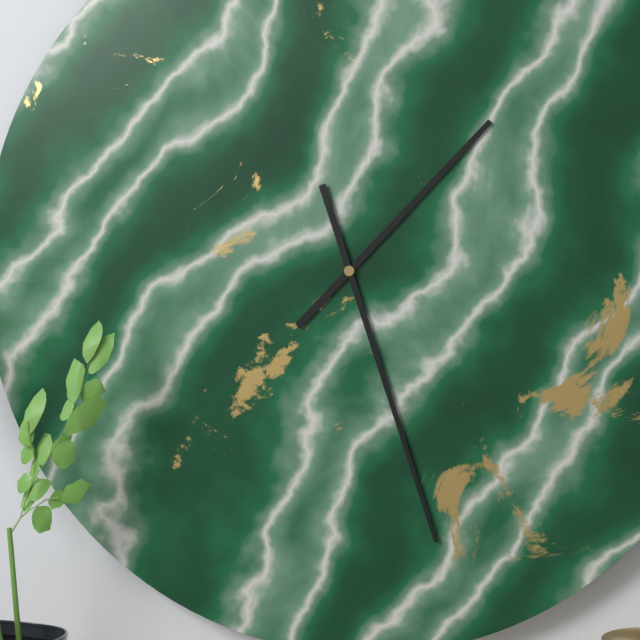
1:27
